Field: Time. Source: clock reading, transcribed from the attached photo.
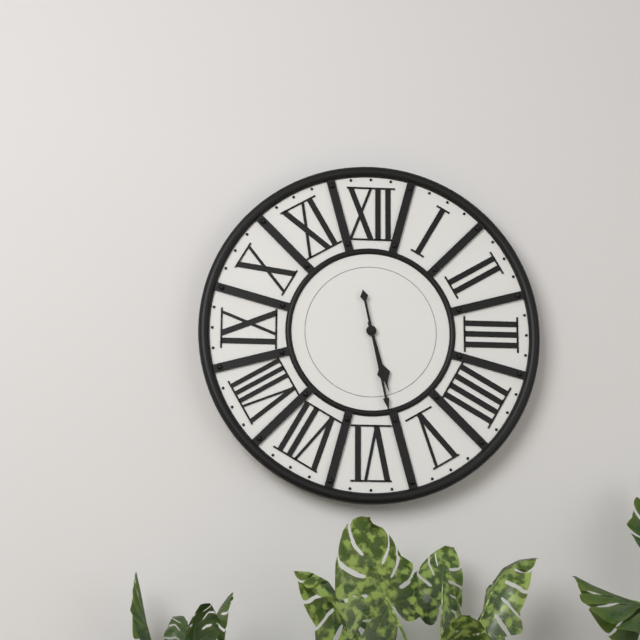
5:28
